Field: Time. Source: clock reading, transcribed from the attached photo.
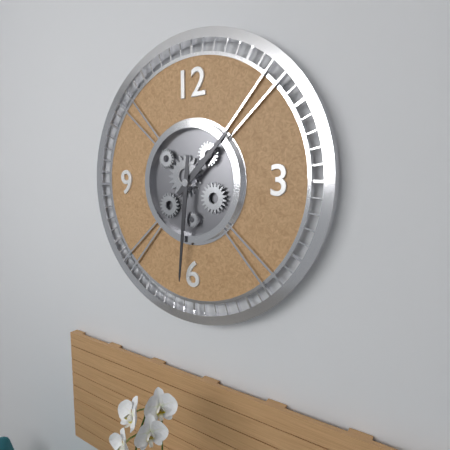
1:31
